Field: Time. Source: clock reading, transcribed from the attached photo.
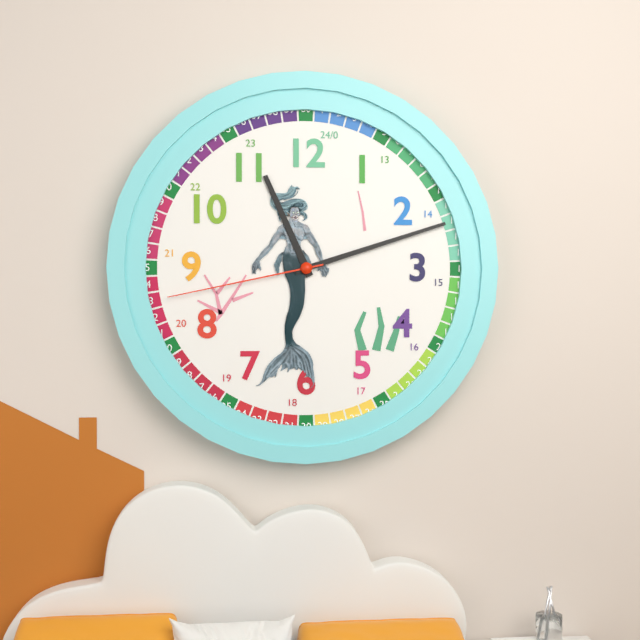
11:12:43
